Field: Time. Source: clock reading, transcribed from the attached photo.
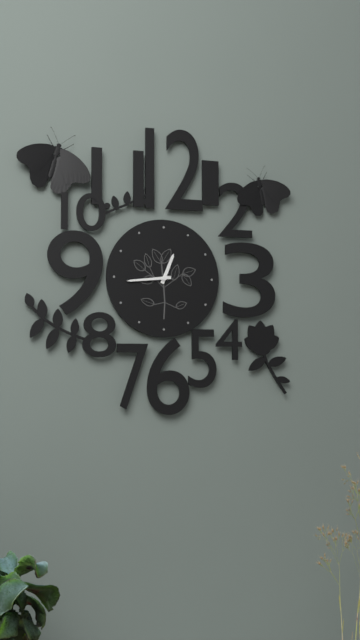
12:44
